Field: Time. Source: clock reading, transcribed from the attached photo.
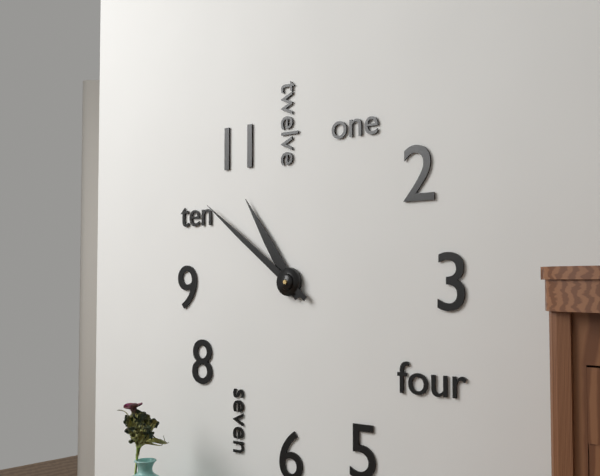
10:51
